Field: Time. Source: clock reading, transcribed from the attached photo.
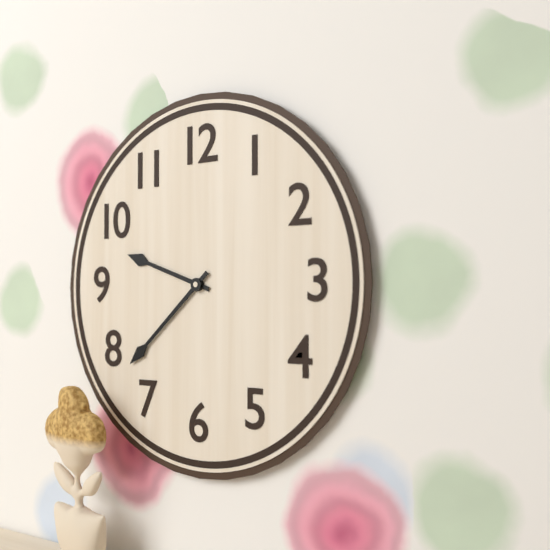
9:38
